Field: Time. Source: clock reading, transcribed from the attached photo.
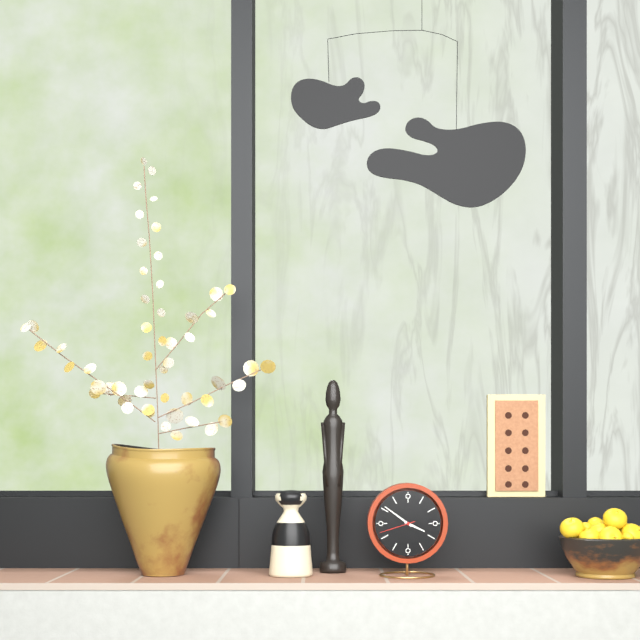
3:51
